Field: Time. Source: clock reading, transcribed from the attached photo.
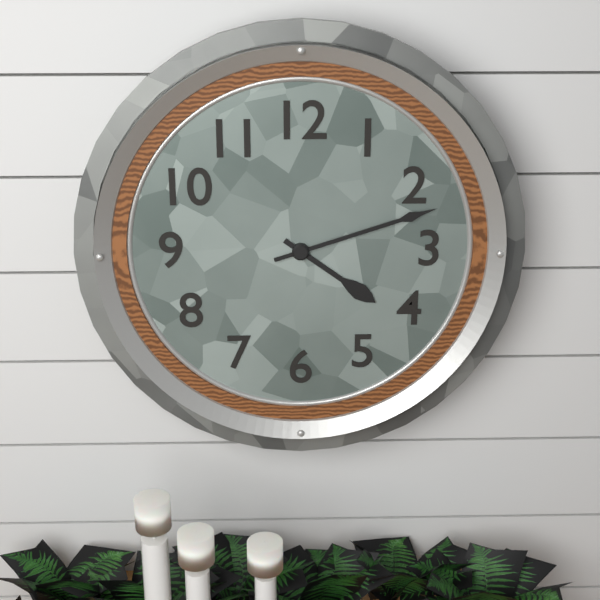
4:12
